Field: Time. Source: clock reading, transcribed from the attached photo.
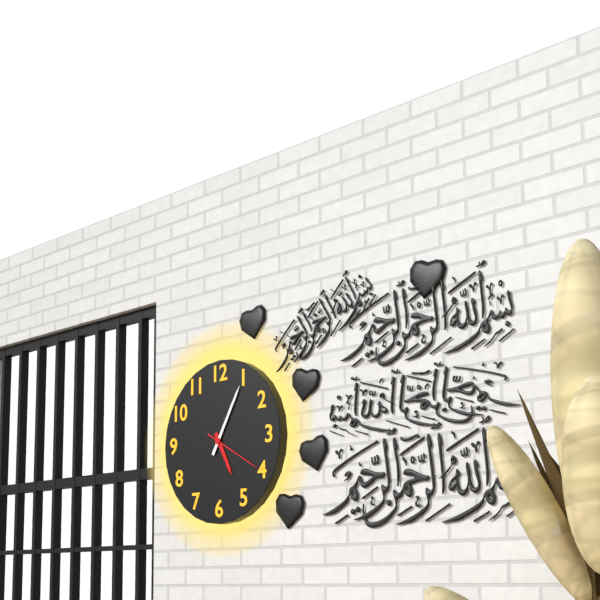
5:05:20
